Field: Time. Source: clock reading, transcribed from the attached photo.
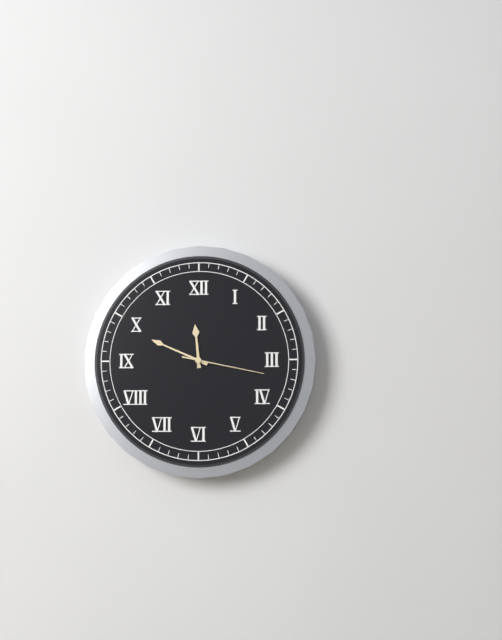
11:49:17
